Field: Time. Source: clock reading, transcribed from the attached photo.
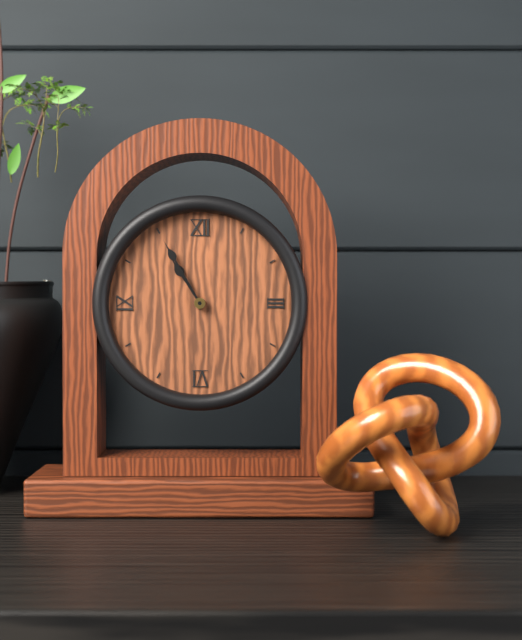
10:55
